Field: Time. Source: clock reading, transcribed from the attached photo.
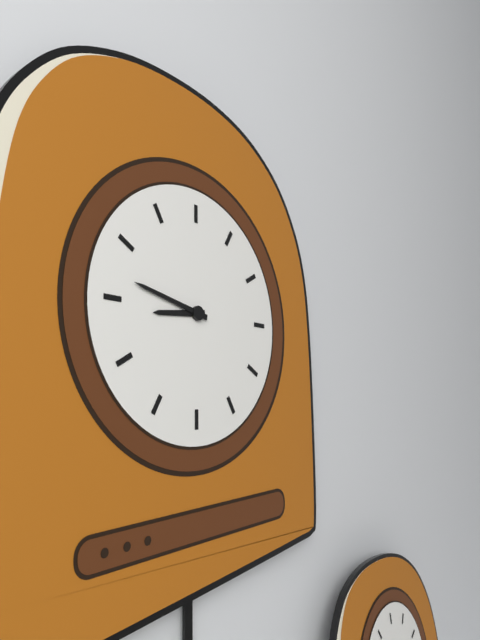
8:47
